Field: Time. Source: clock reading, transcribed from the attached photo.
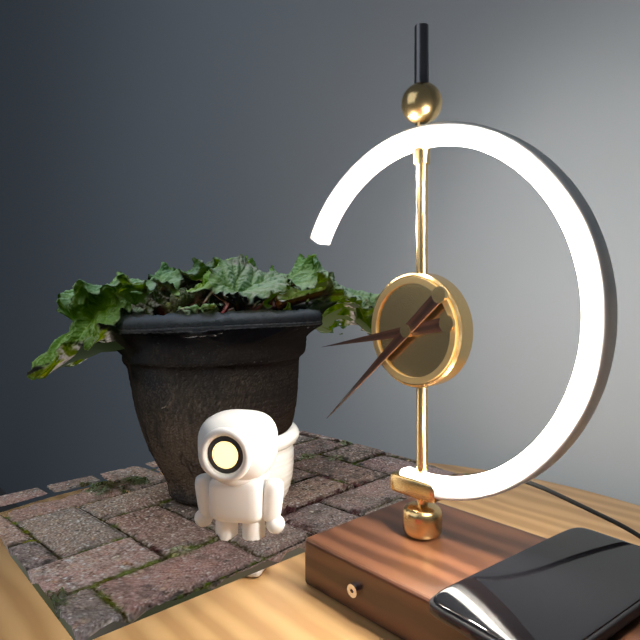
8:38
